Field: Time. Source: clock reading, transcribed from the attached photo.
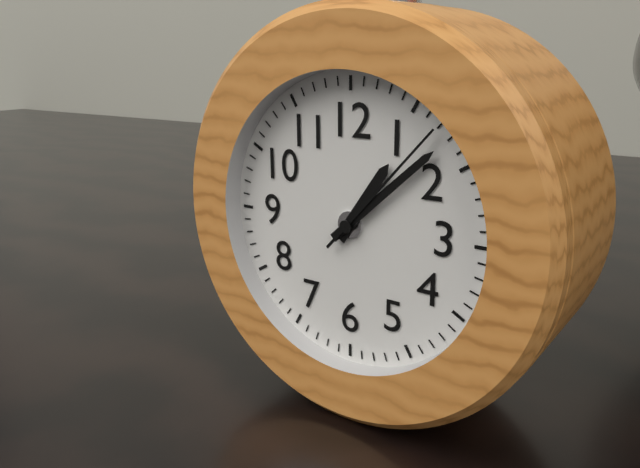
1:08:07
